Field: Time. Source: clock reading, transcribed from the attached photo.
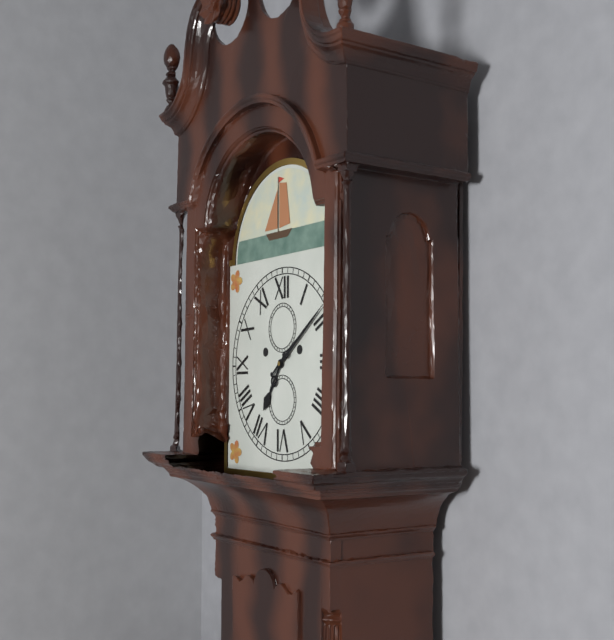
7:09
